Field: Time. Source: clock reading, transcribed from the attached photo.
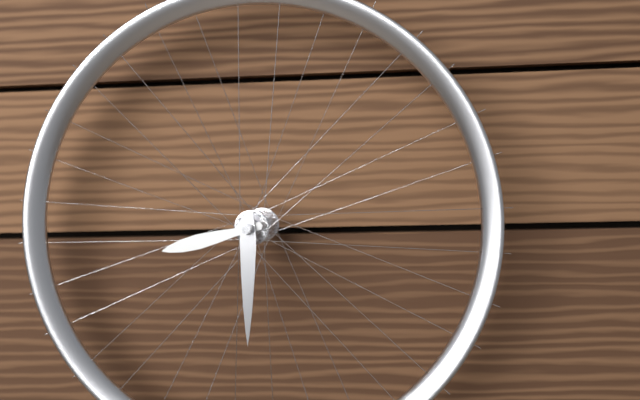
8:30
